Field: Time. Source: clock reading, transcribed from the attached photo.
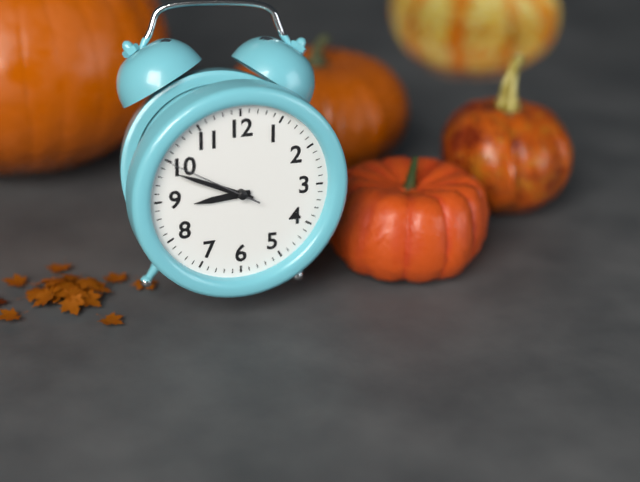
8:49:50
